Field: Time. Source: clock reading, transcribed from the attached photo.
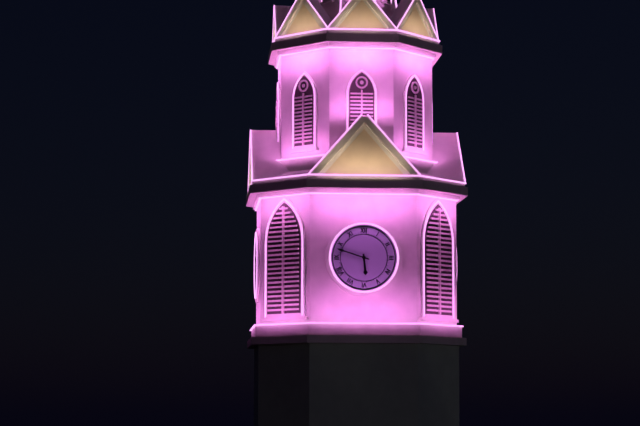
5:48
